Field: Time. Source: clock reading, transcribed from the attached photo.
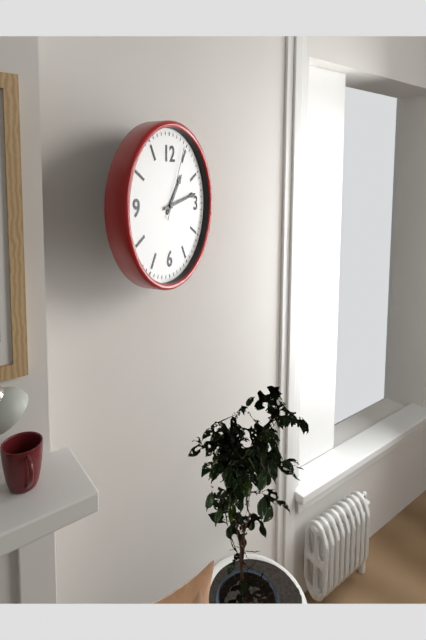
1:13:04
